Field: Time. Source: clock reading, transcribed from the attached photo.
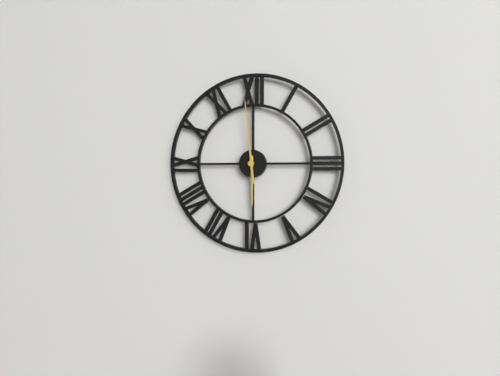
5:59
